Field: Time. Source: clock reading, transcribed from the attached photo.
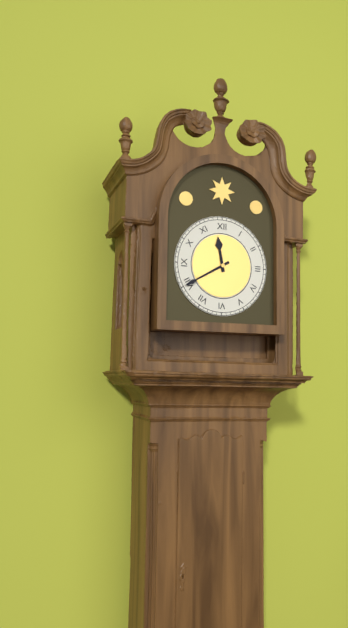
11:40
